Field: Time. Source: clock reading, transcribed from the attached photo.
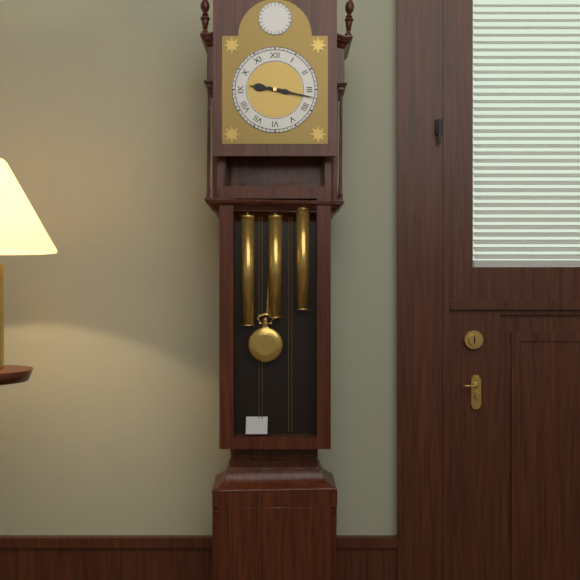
9:17
